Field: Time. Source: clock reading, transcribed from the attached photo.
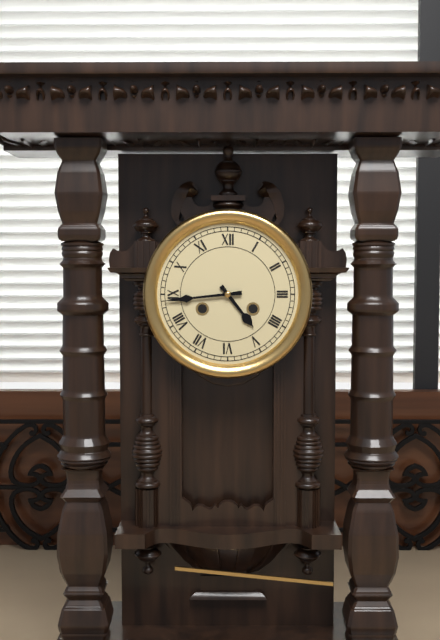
4:44
